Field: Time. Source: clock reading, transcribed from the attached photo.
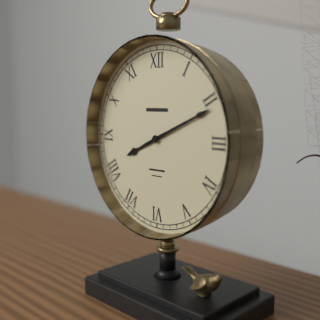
8:11
